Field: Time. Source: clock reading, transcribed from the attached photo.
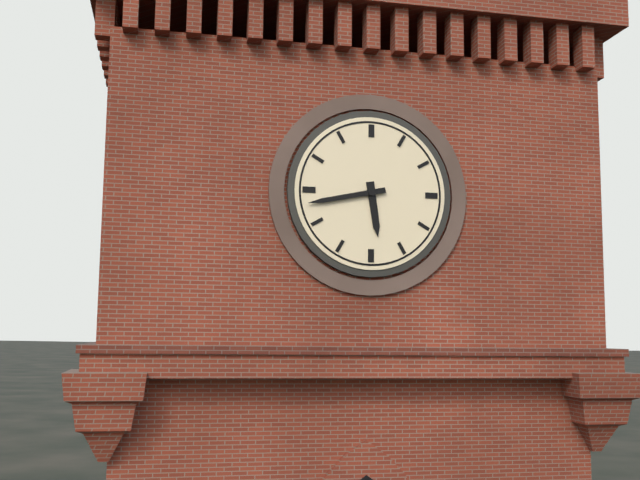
5:43
